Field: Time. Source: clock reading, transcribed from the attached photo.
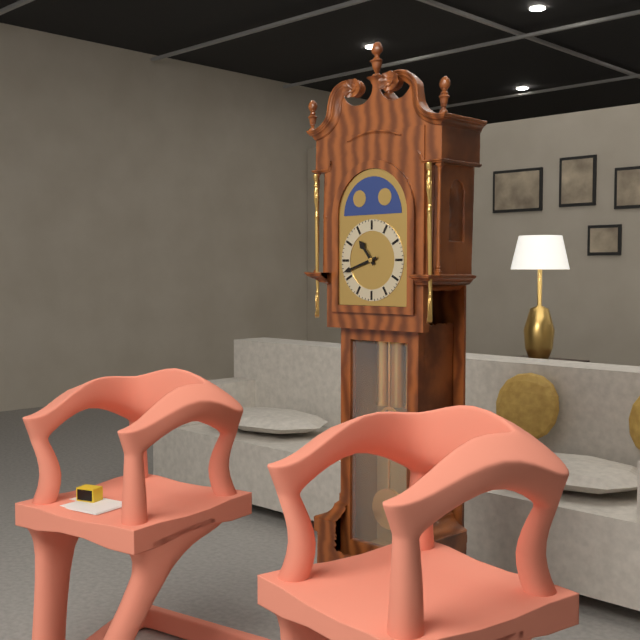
10:42
